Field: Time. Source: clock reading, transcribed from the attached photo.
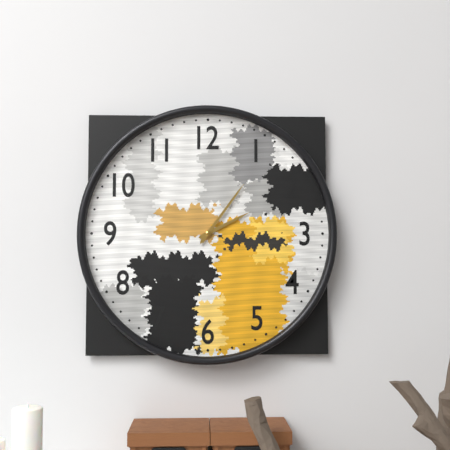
2:06
